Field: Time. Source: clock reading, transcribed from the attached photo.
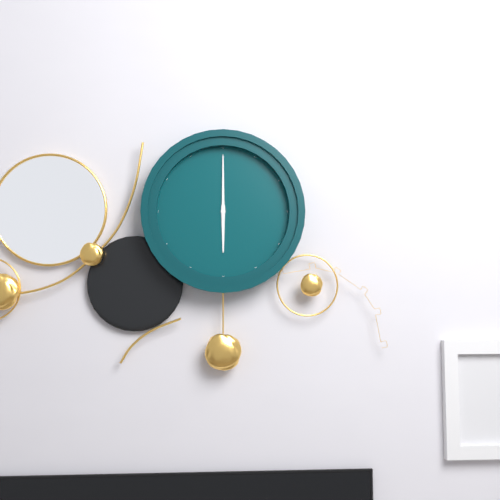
6:00
